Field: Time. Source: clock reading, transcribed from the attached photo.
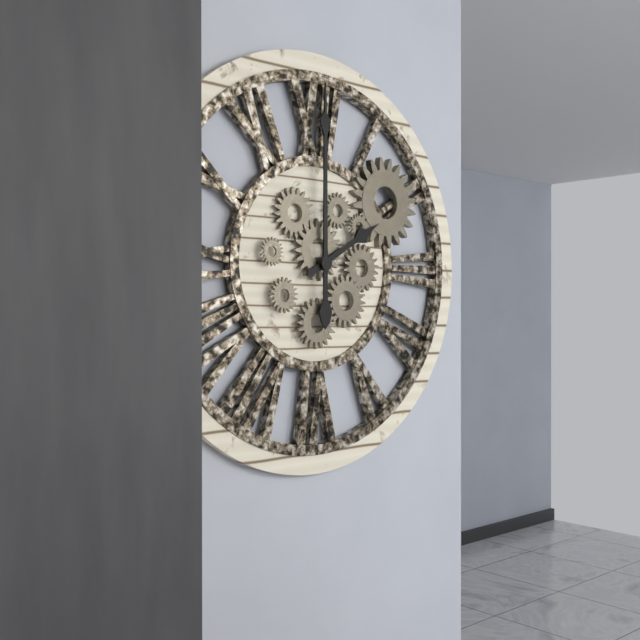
2:00
